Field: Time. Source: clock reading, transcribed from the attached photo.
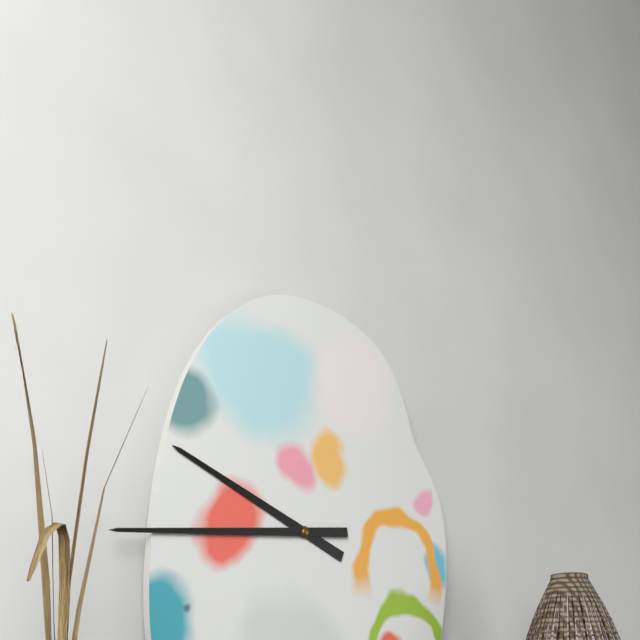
9:44
